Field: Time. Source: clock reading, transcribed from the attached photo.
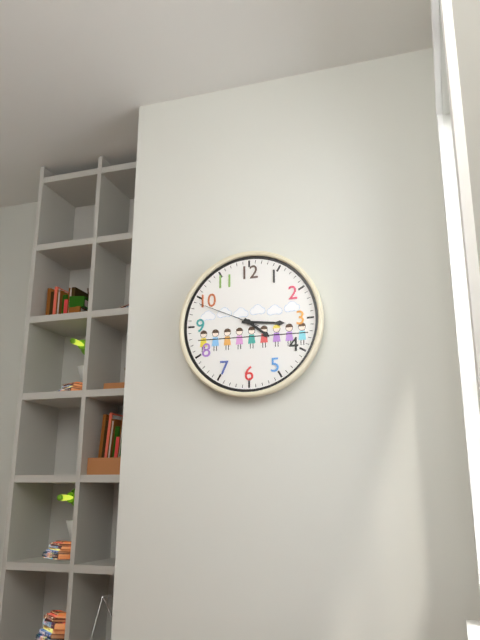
4:16:49
